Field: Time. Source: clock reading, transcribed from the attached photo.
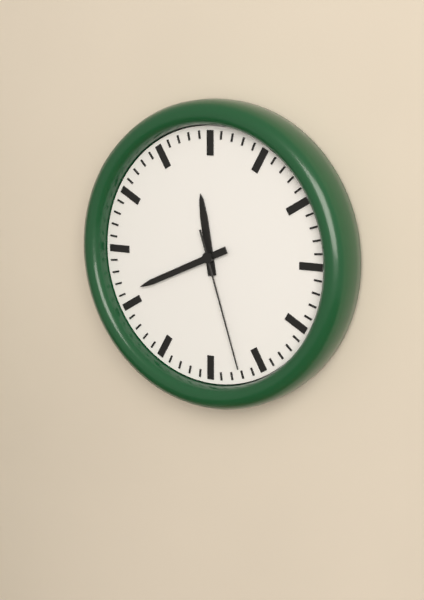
11:41:27
